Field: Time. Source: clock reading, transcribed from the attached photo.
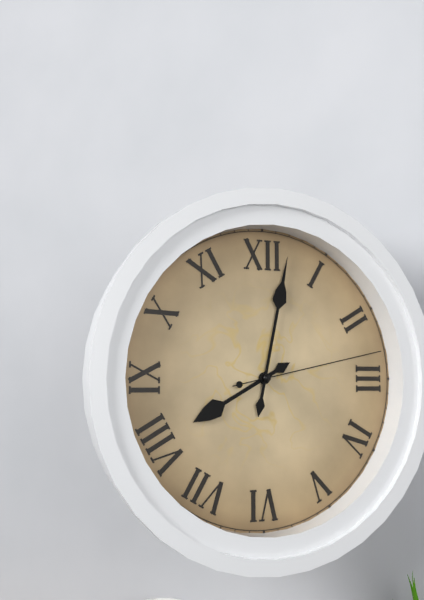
8:02:13
